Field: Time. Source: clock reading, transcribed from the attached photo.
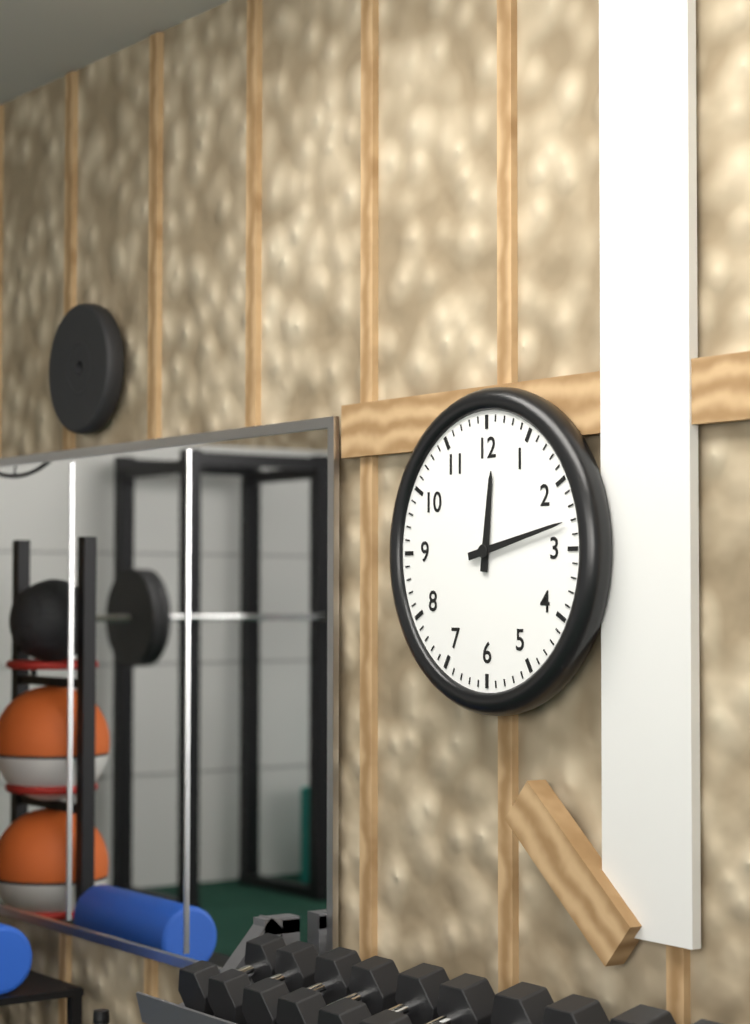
12:13
